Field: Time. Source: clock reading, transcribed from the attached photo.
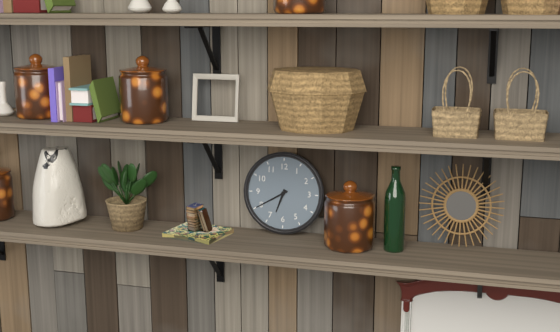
6:40
